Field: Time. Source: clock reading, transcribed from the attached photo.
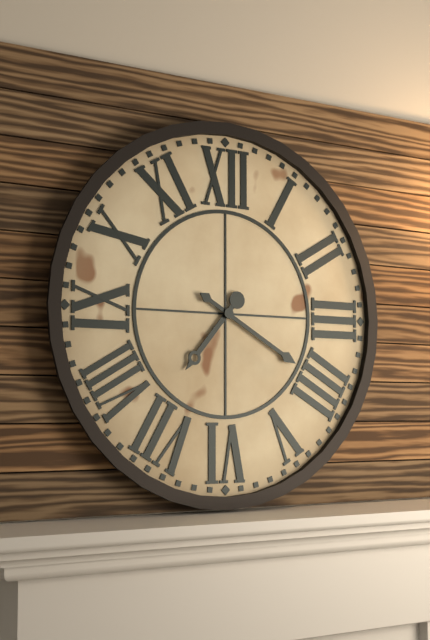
7:20
